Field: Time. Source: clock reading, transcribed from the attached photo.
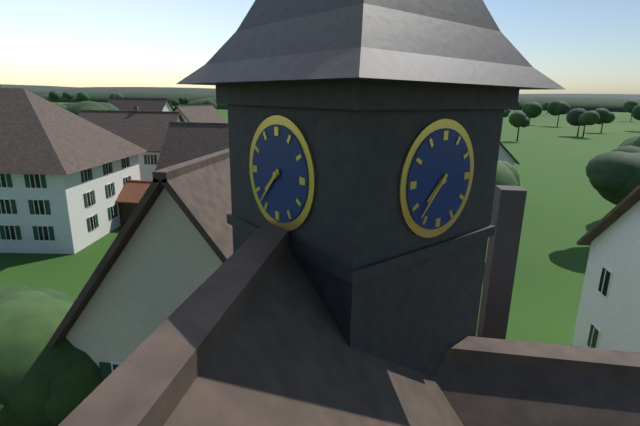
7:37
